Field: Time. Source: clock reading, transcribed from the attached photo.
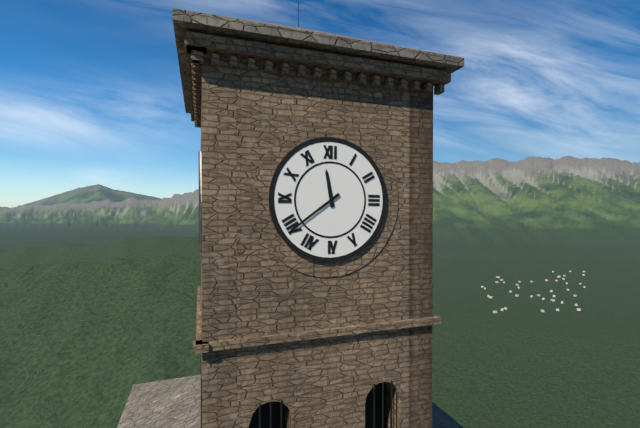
11:39
